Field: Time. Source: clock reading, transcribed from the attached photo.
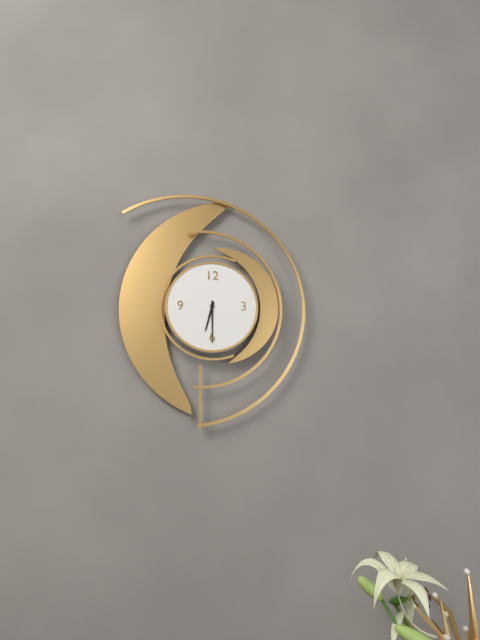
6:30
